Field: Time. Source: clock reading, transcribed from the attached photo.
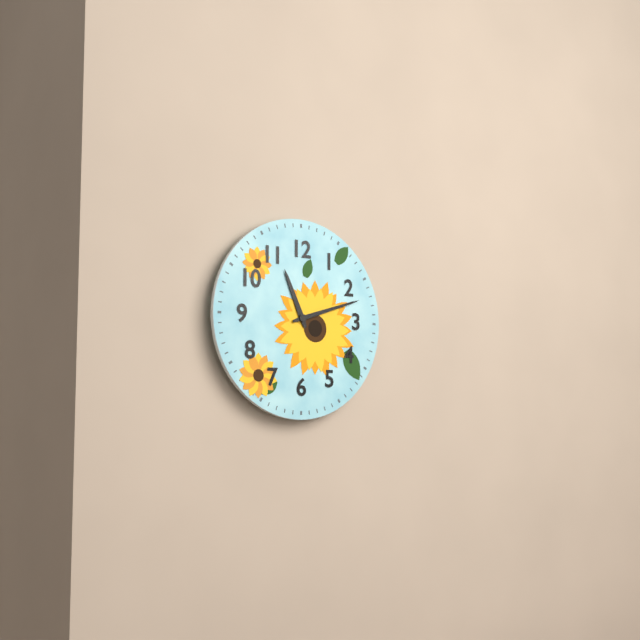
11:12
